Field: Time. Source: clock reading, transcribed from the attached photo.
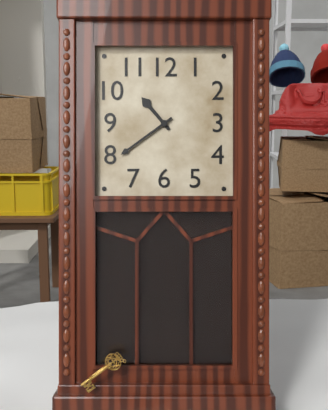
10:39
